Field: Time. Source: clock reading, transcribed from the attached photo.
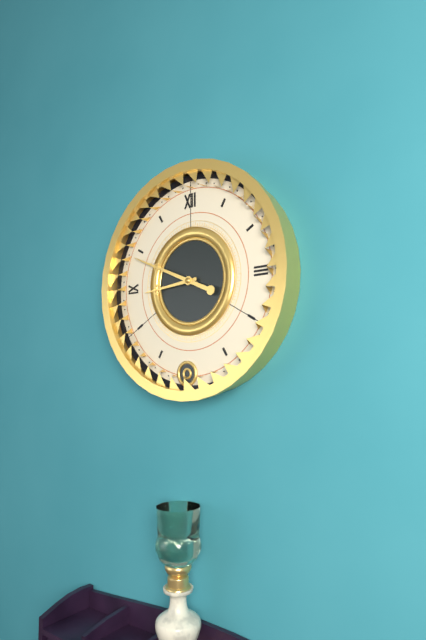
8:49
